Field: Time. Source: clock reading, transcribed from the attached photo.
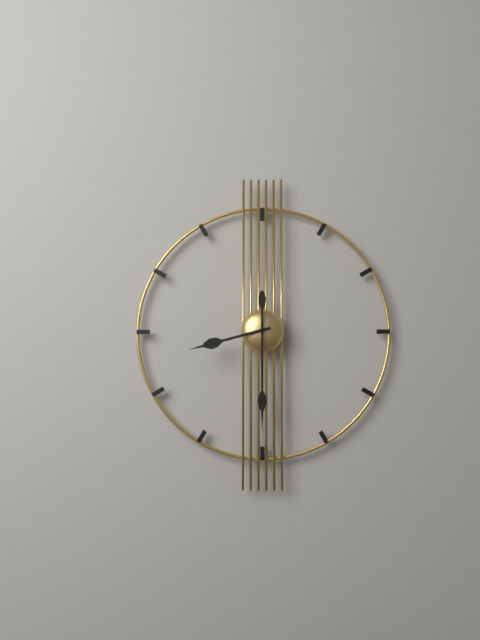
8:30
